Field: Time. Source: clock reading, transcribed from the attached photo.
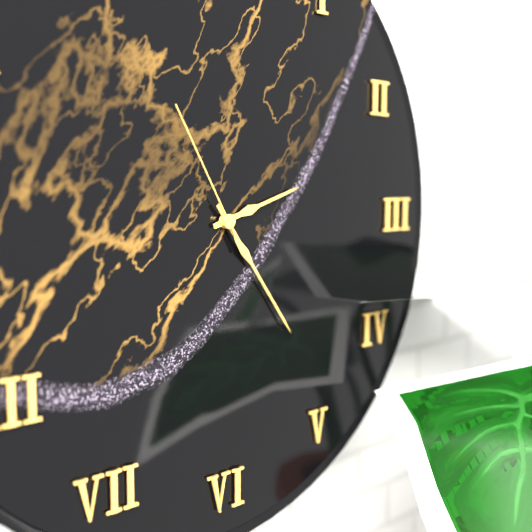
2:24:55
